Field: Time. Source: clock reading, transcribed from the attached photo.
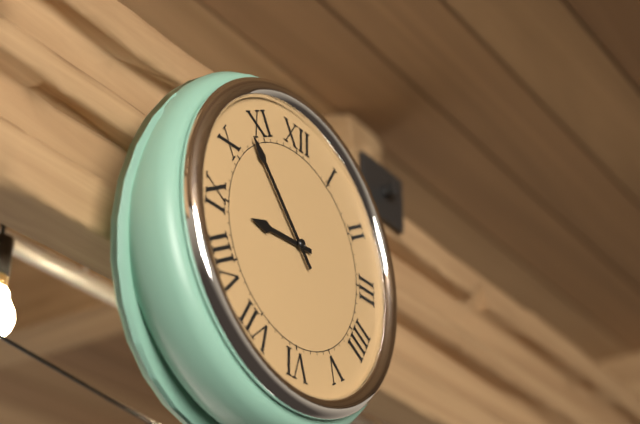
8:53
